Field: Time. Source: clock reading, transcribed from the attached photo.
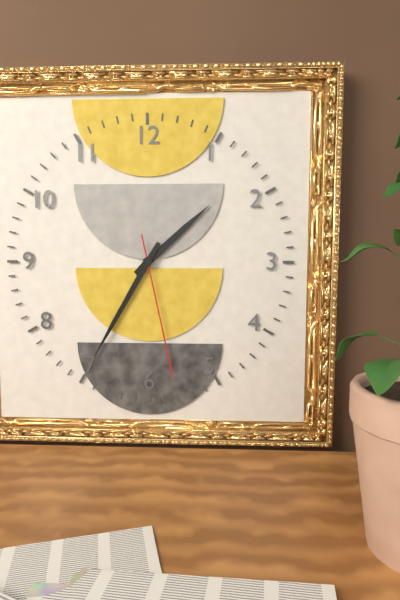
1:35:28
